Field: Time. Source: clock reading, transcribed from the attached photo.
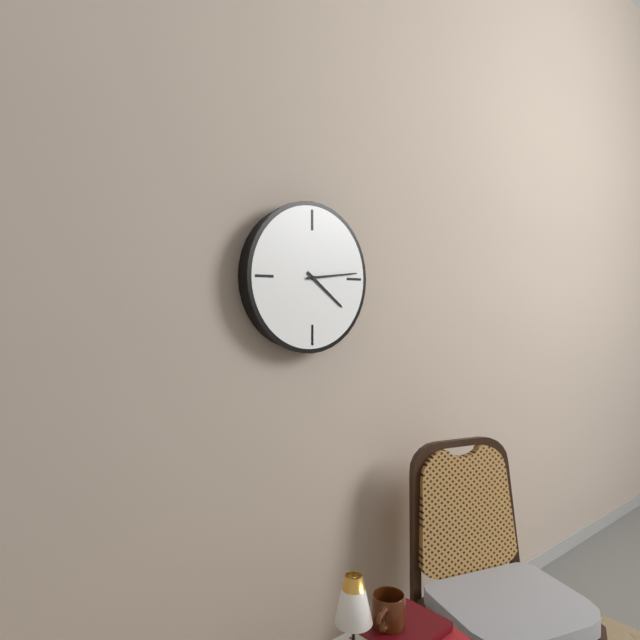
4:14
